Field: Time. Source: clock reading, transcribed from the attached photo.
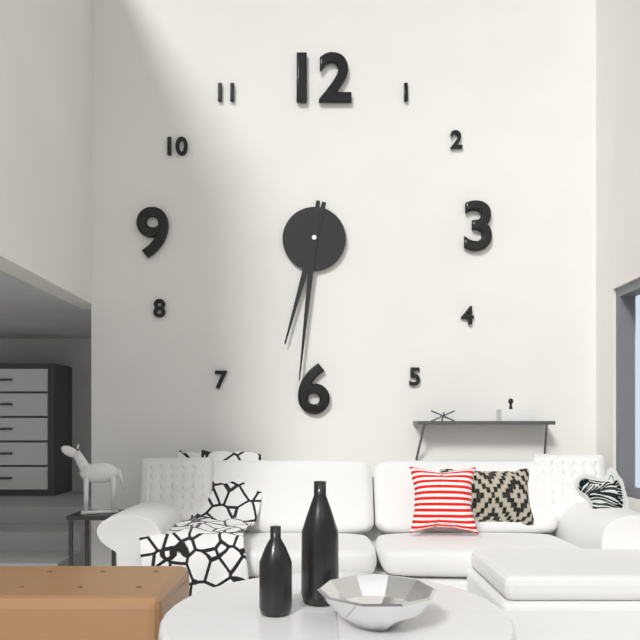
6:31
